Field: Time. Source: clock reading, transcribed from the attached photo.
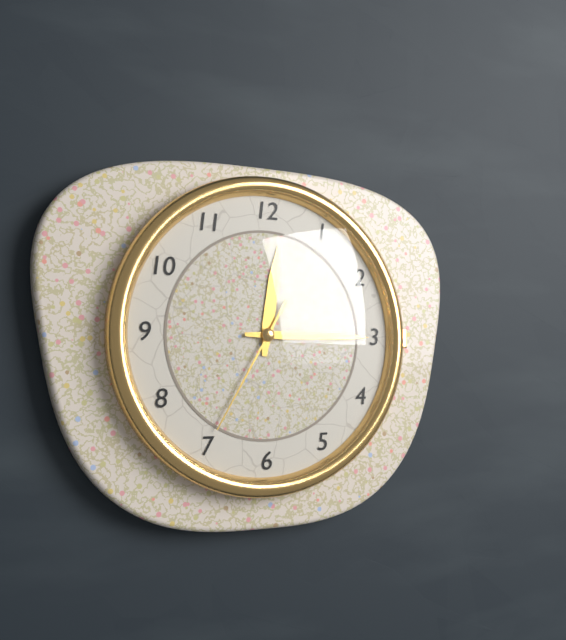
12:15:35
